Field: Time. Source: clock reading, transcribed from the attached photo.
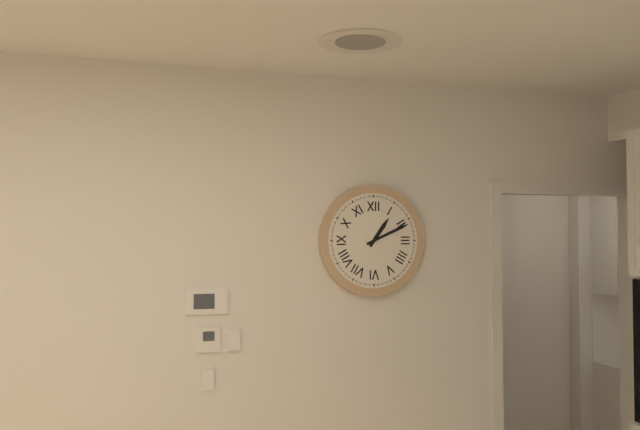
1:11
